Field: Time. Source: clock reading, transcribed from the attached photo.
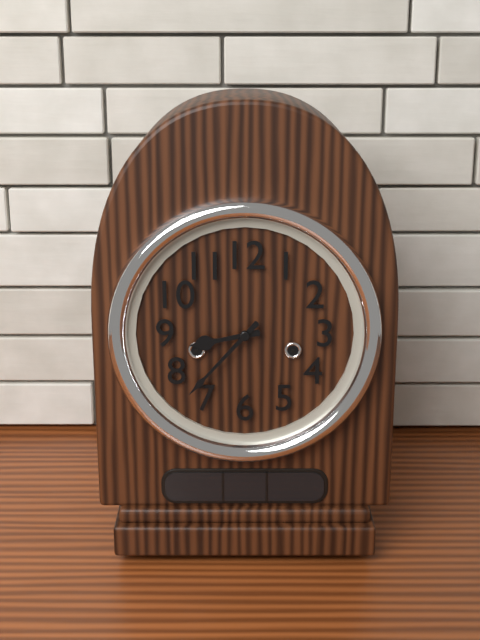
8:37
